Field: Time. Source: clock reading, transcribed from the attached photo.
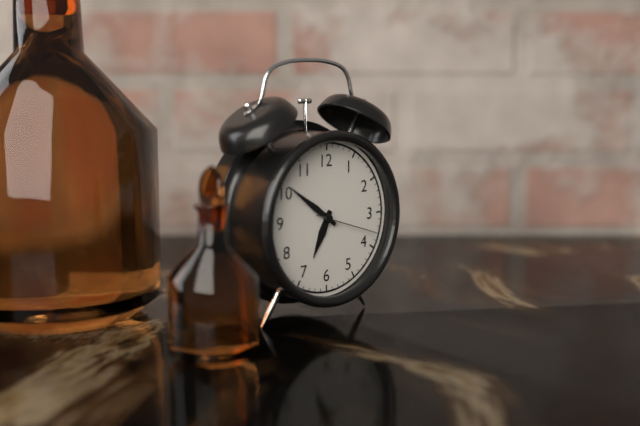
6:51:18
